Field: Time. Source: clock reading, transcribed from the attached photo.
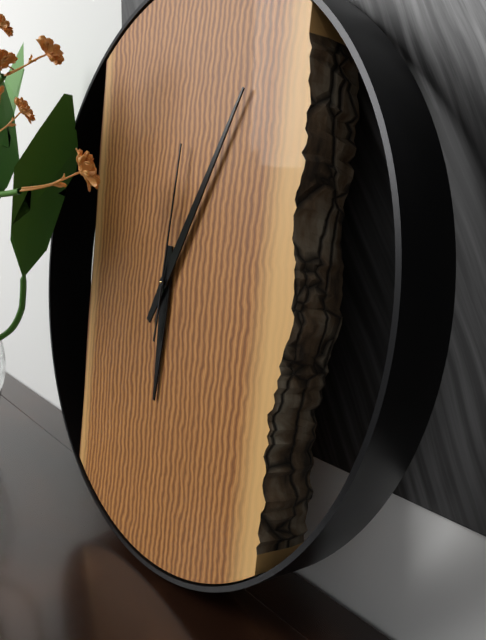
6:05:01
